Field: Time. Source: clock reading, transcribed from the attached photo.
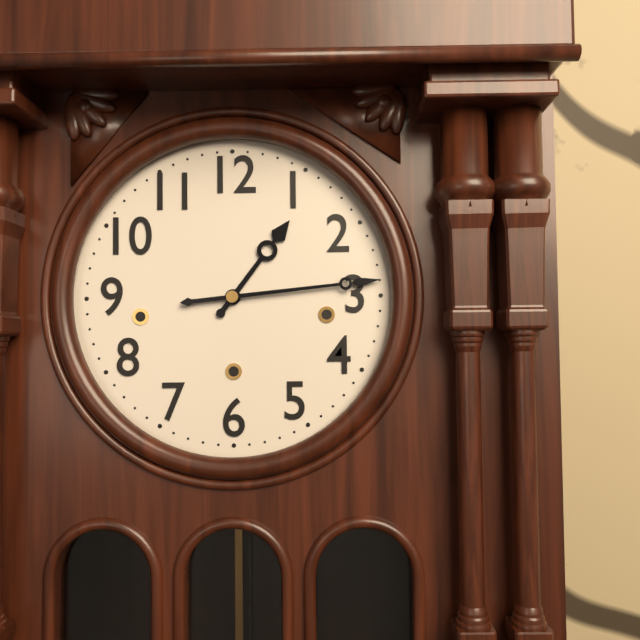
1:14
